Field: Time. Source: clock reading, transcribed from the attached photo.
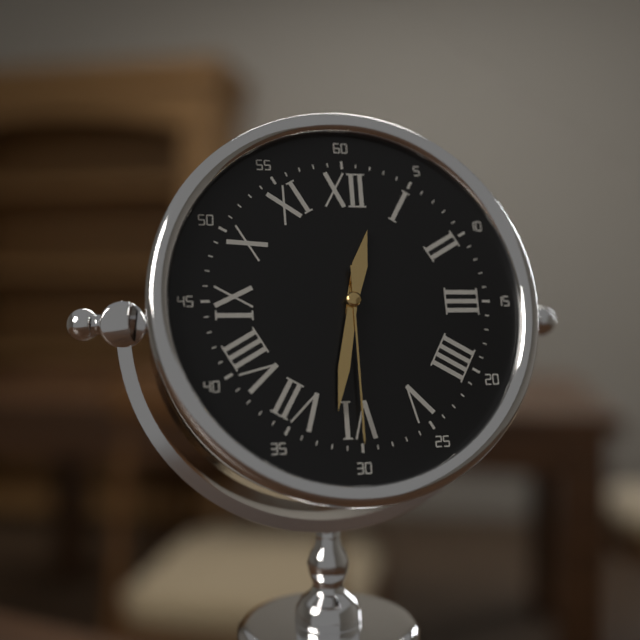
12:32:30
